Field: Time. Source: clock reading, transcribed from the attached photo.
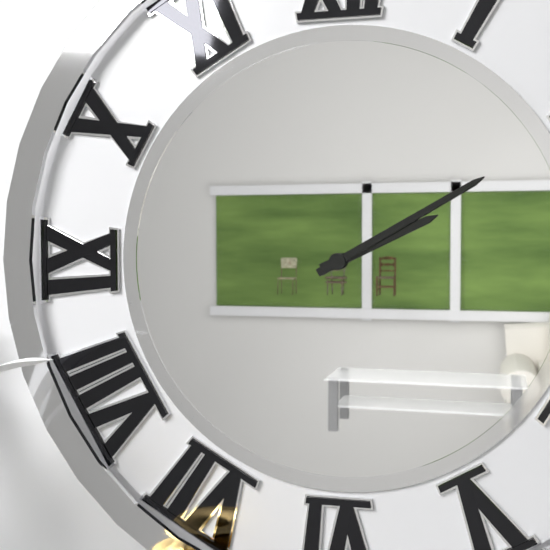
2:10
